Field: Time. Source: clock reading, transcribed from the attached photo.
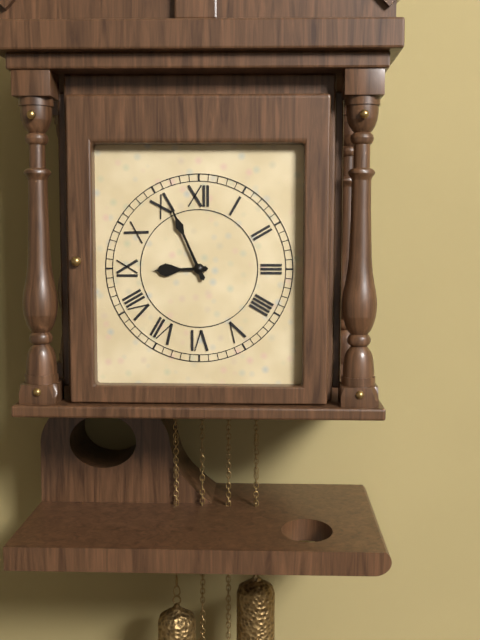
8:56
